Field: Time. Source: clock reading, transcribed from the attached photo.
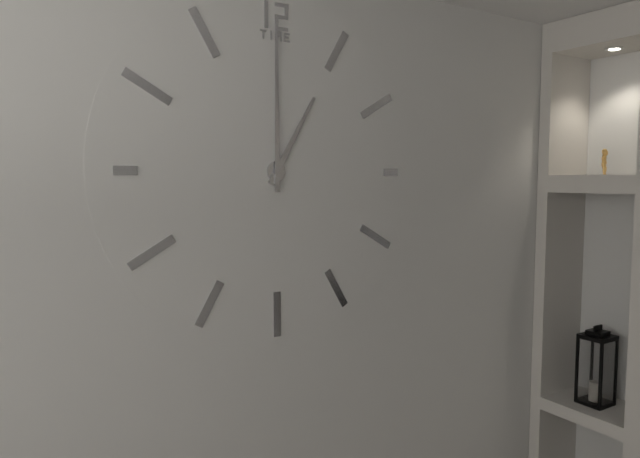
1:00
